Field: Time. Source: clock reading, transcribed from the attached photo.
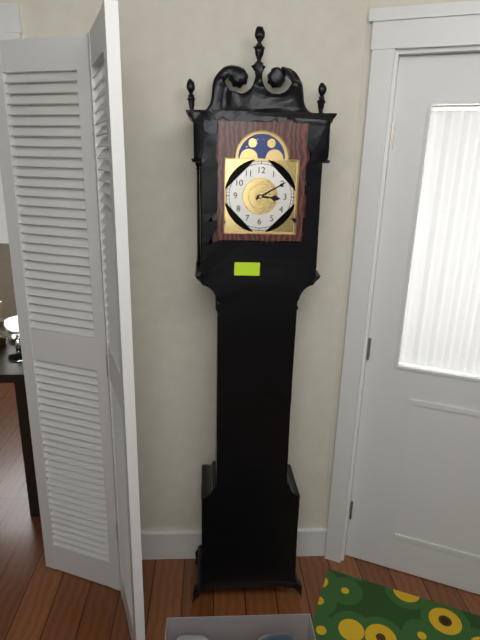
3:10
